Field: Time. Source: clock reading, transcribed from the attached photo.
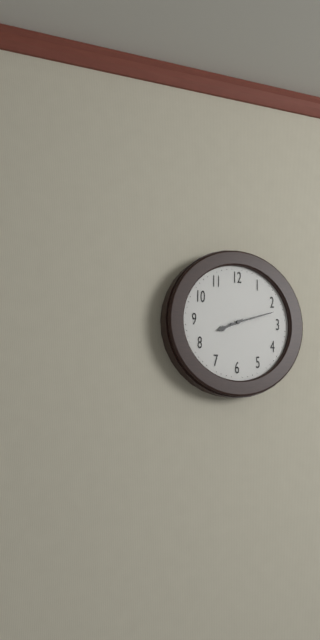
8:12
